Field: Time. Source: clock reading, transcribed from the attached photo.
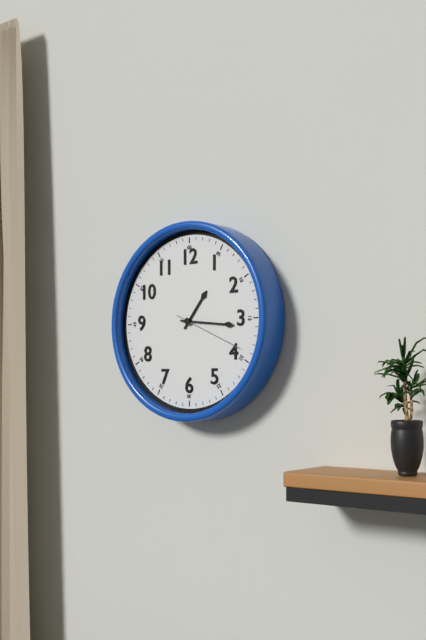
1:16:19
